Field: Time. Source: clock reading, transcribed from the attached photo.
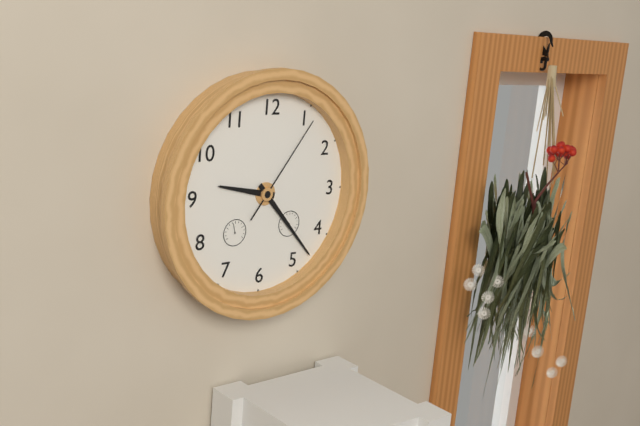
9:23:06
